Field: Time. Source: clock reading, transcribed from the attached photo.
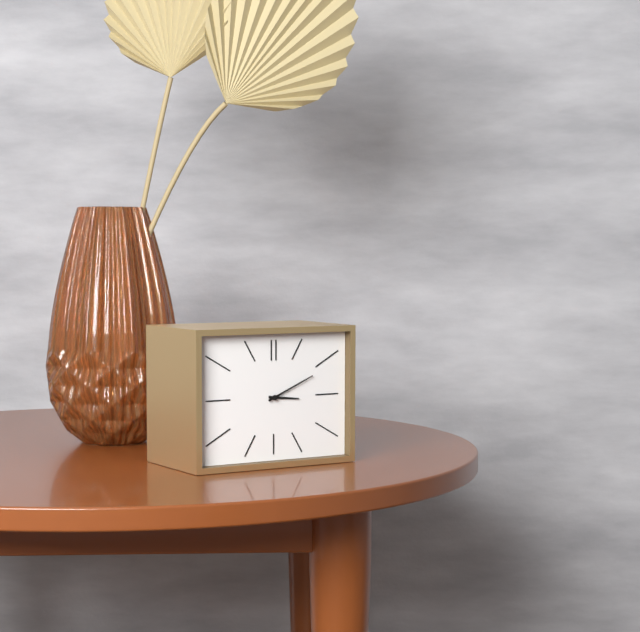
3:11
